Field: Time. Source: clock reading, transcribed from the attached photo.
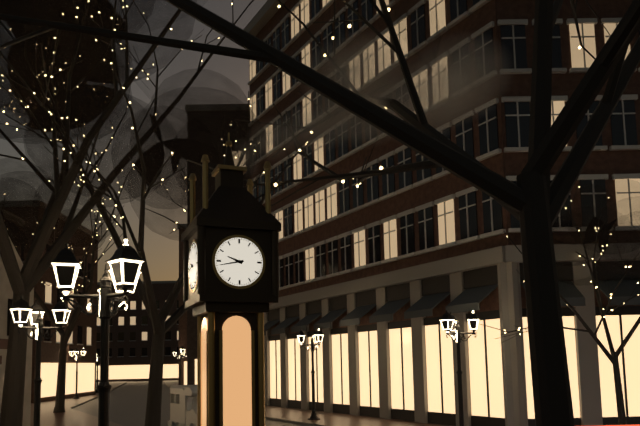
9:43
